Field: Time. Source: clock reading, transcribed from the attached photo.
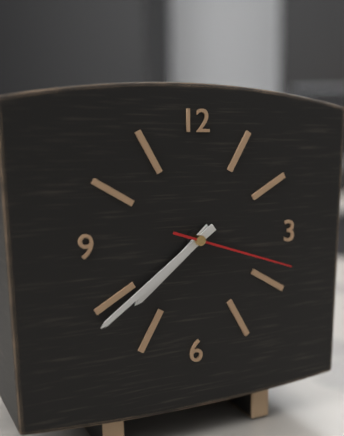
7:39:18
